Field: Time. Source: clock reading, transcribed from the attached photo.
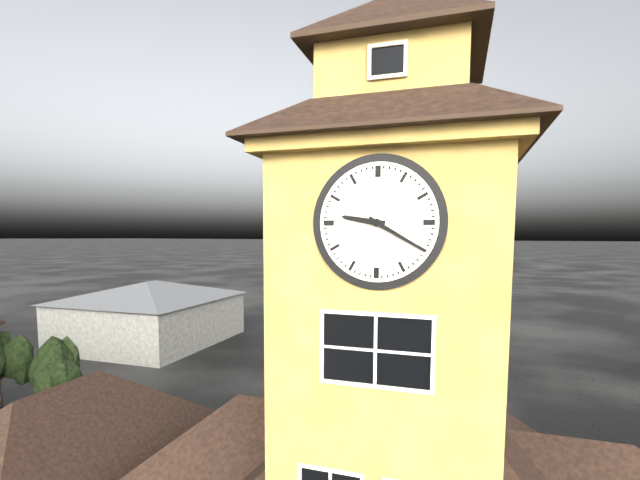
9:20
